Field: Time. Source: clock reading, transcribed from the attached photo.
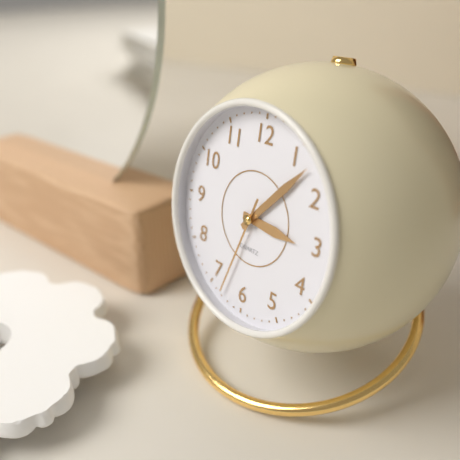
3:07:33
